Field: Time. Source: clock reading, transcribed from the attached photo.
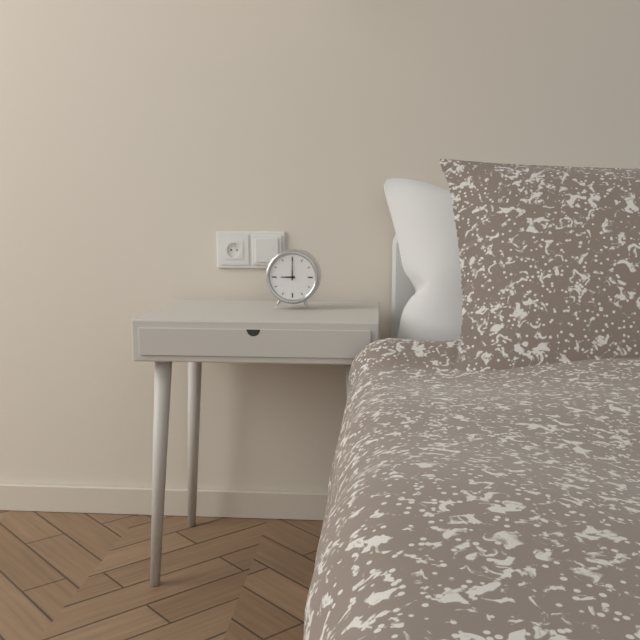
9:00
